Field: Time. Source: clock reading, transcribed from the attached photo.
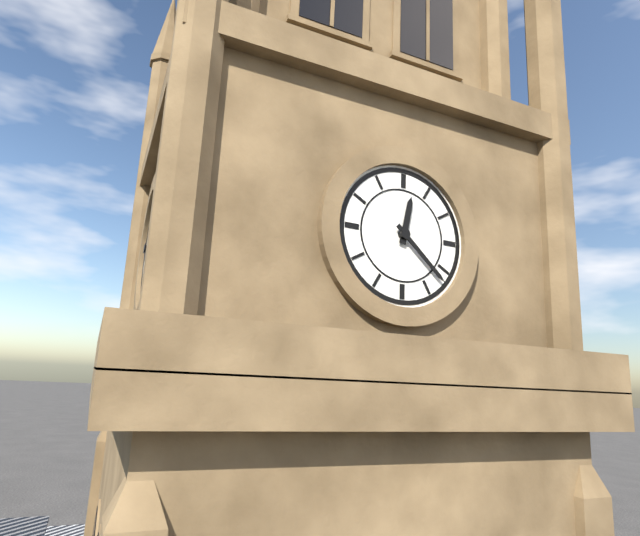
12:22
